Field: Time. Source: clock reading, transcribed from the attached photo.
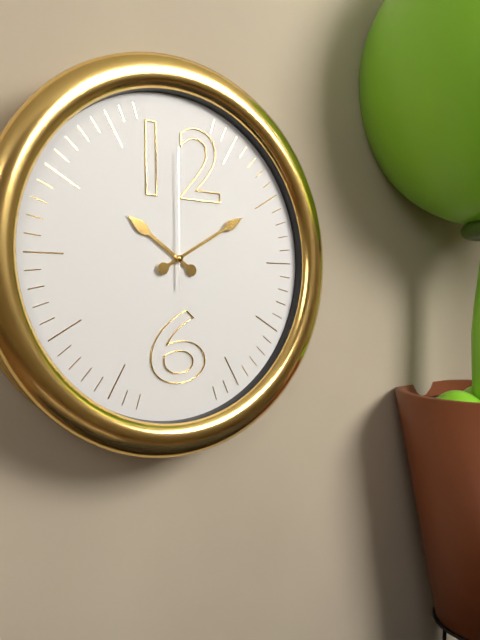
10:10:00
